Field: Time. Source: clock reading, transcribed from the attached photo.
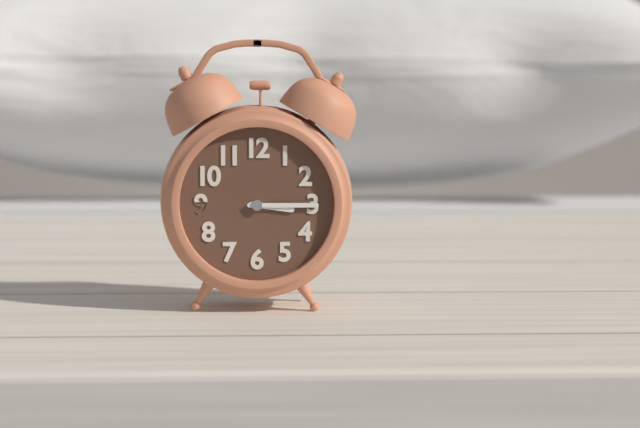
3:15
